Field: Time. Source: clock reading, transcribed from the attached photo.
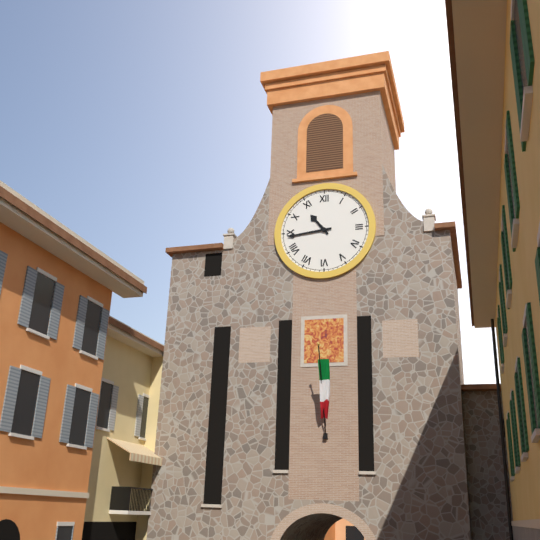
10:44
